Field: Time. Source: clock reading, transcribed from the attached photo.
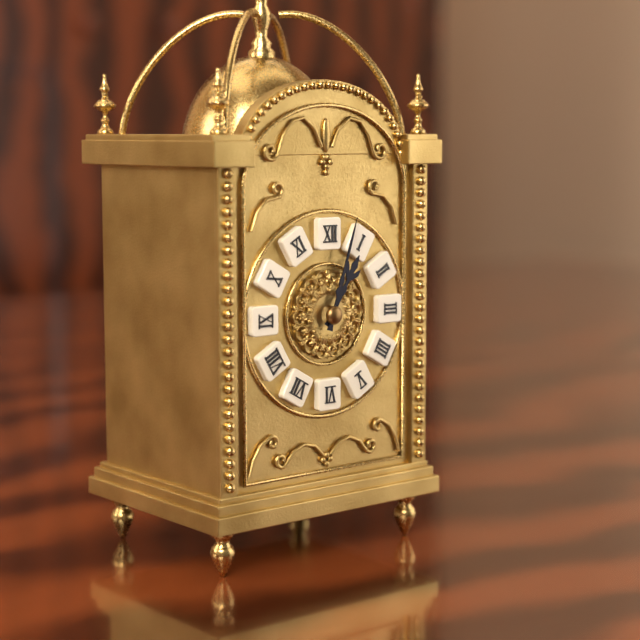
1:03
